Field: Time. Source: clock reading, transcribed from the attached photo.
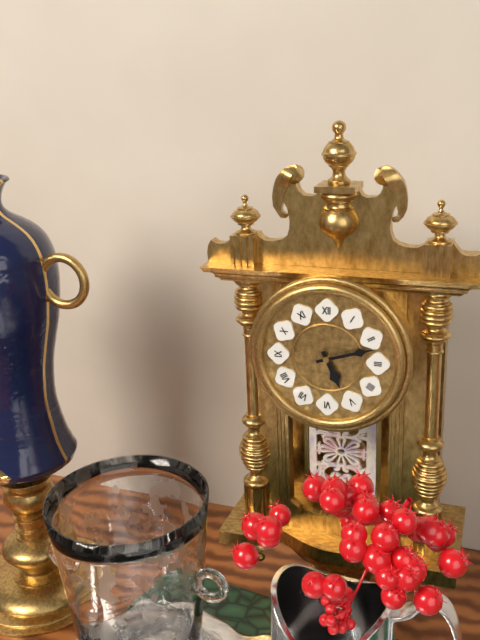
5:12
